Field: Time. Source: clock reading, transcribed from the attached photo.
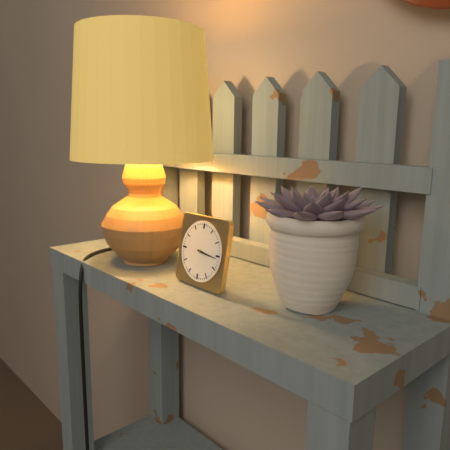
3:16
